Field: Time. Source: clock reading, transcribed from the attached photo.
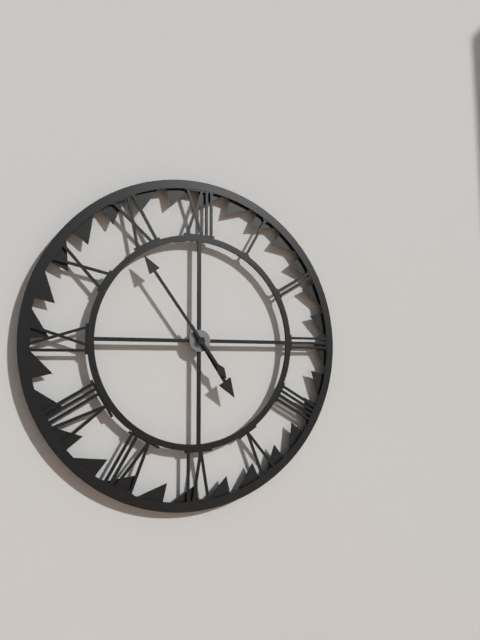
4:54
